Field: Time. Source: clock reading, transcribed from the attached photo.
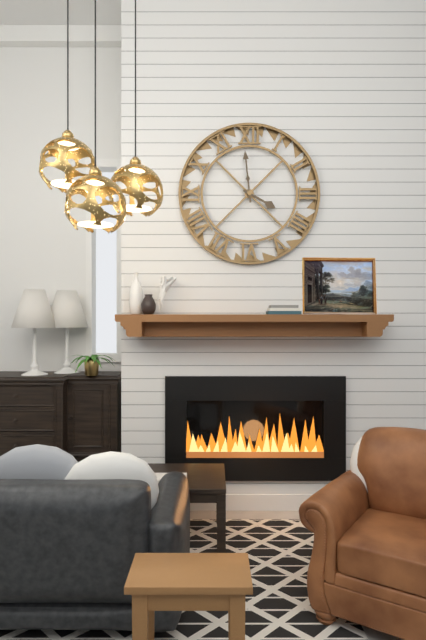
3:59
